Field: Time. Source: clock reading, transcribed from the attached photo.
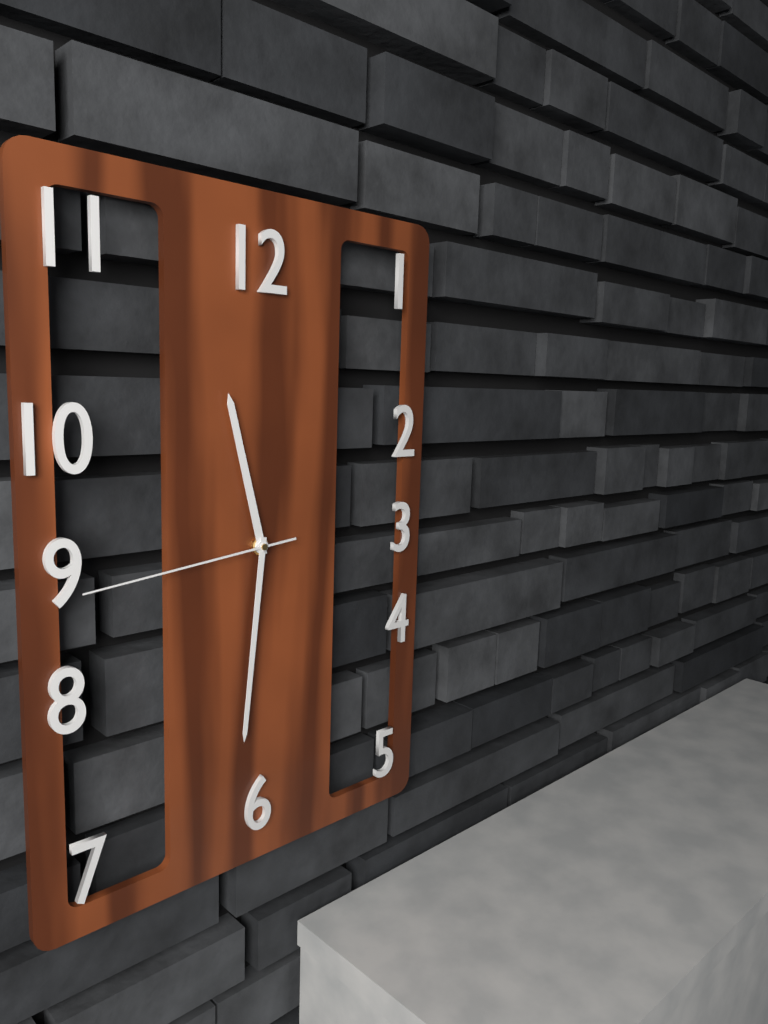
11:31:44
